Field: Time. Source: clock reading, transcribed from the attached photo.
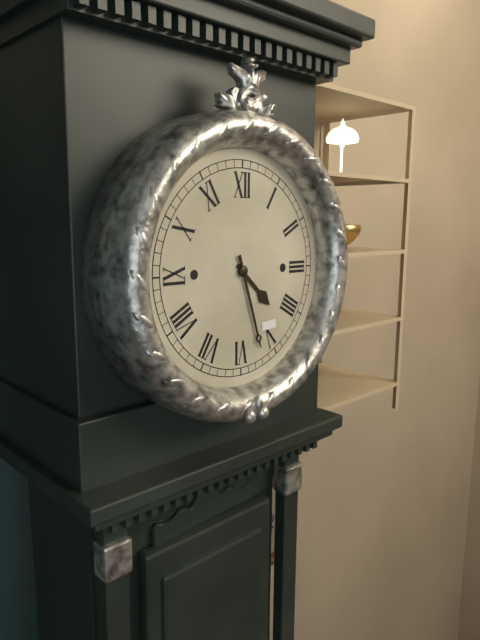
4:27
